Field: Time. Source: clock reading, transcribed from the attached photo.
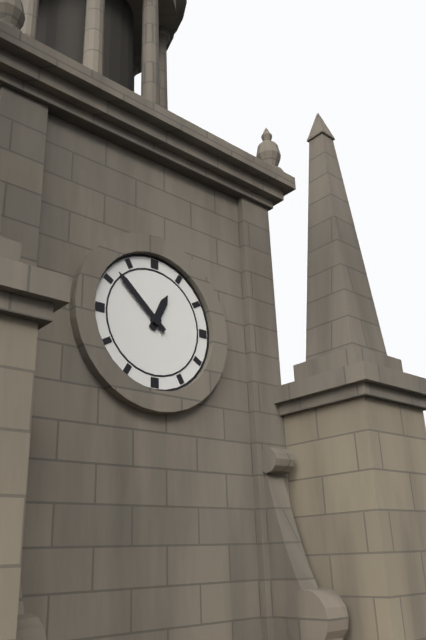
12:52
